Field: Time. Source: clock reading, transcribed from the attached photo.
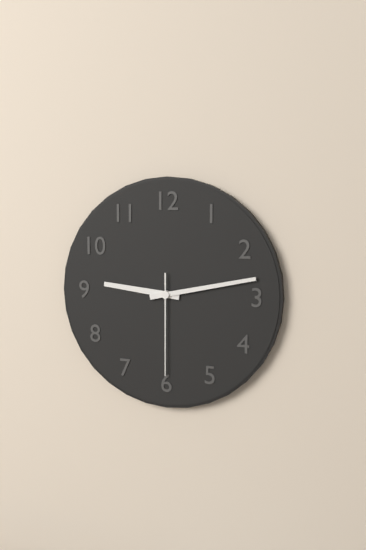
9:13:30
